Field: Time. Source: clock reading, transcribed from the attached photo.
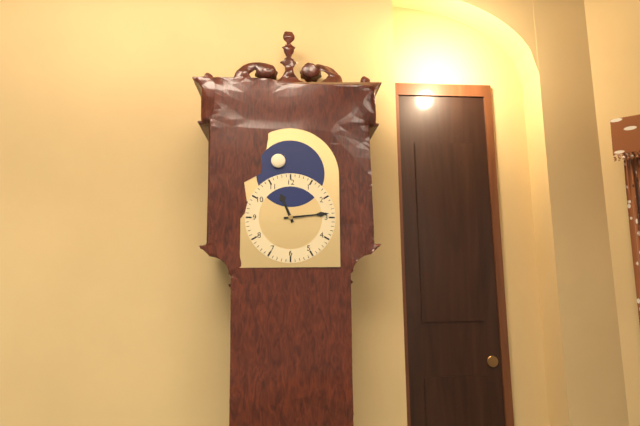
11:14
